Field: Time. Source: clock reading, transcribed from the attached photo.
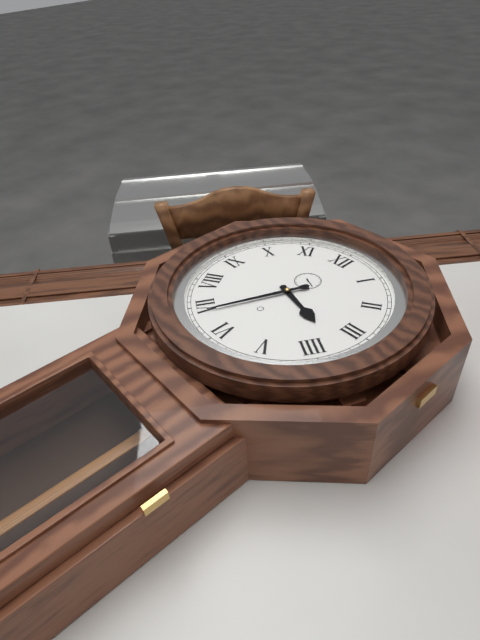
3:34
